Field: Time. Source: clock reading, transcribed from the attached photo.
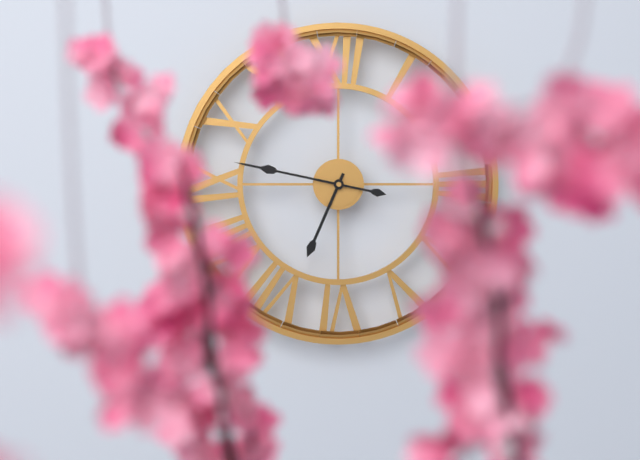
6:47
